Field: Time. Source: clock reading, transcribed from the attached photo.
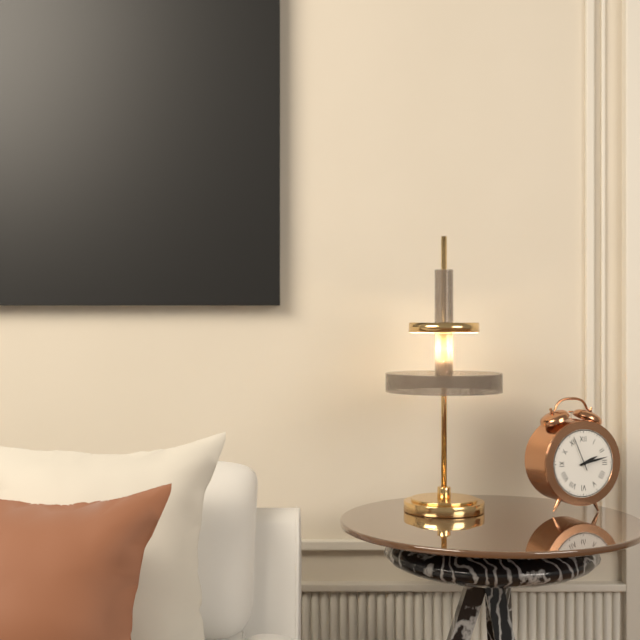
2:13
